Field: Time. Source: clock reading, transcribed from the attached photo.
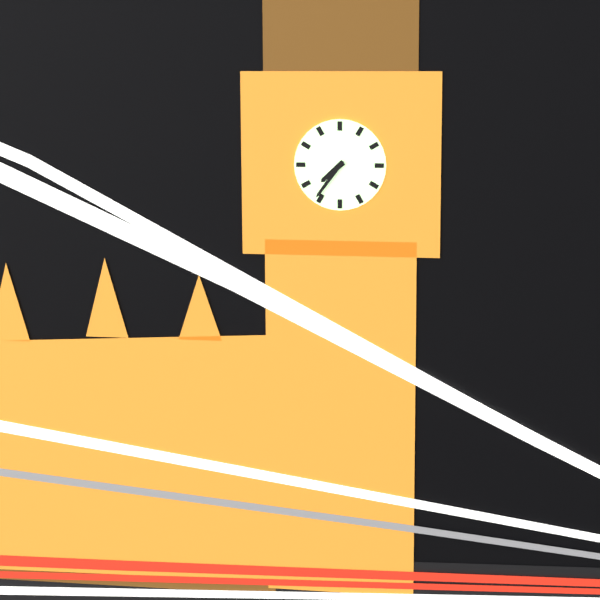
7:36
